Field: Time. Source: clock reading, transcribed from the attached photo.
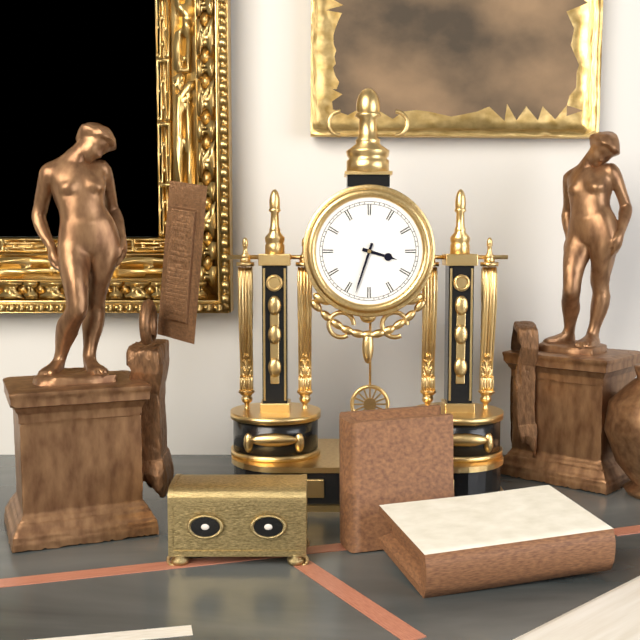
3:33
